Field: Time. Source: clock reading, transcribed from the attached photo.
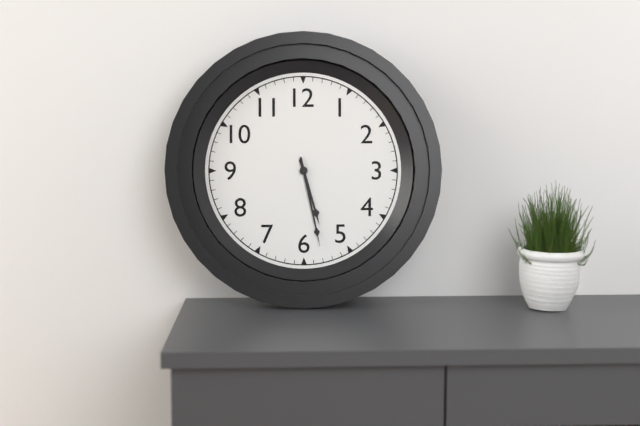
5:28
